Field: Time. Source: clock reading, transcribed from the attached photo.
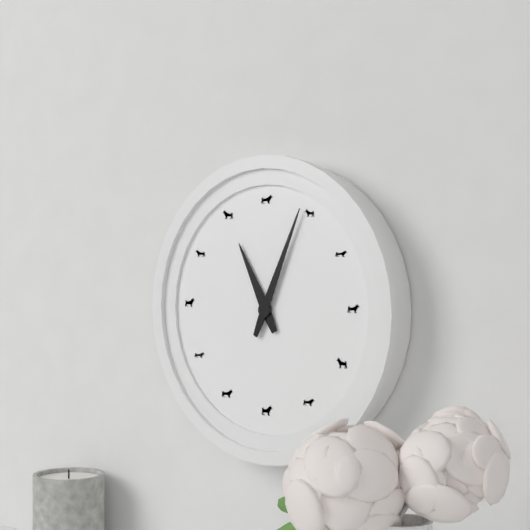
11:04
